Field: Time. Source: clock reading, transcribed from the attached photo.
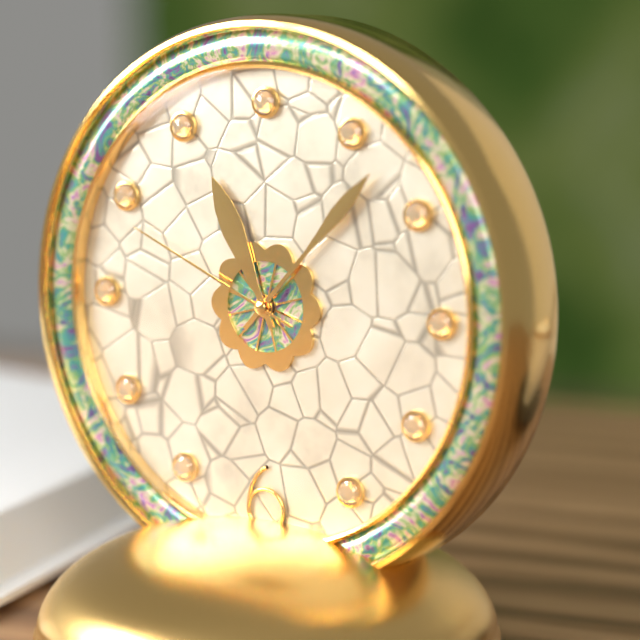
11:07:49
